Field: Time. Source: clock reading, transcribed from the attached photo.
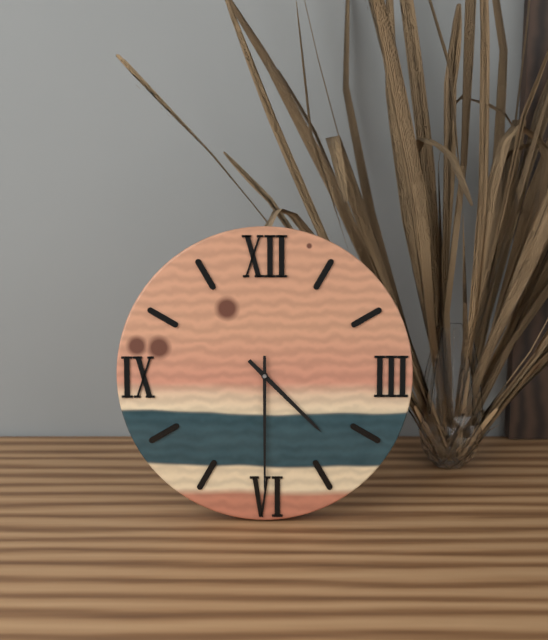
4:30
